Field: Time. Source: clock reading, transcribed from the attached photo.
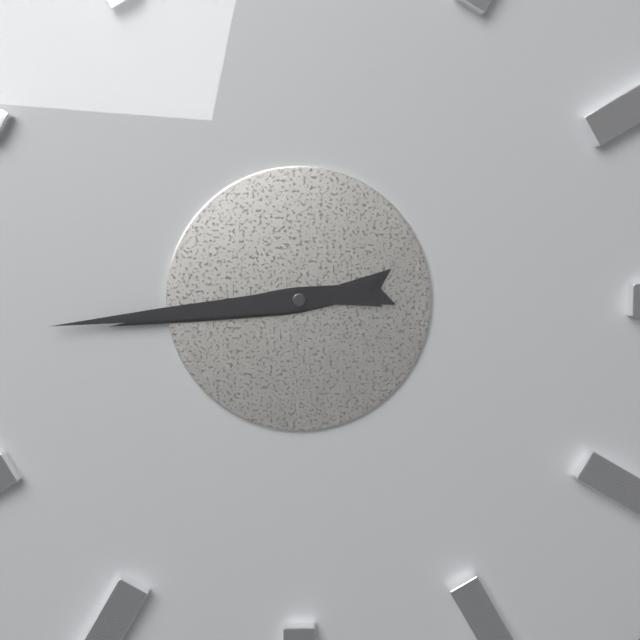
8:44
